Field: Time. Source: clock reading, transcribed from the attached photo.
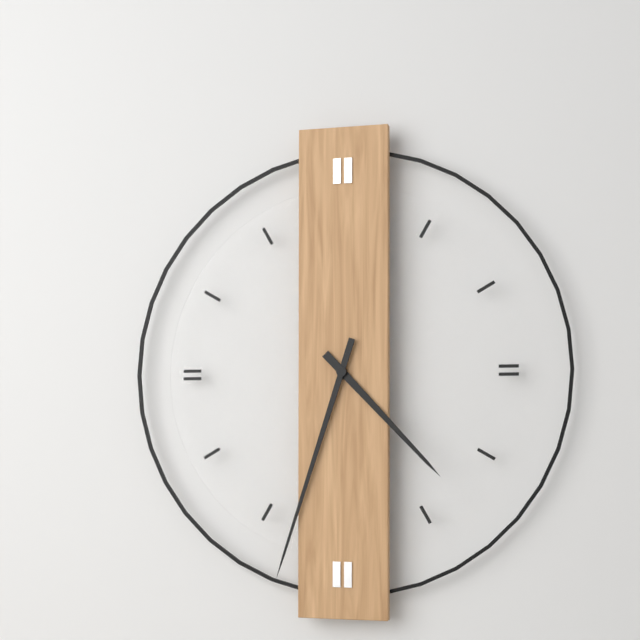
4:33
